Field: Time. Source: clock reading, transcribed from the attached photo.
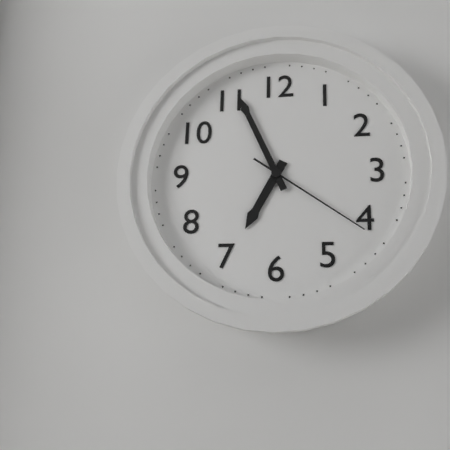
6:56:21
